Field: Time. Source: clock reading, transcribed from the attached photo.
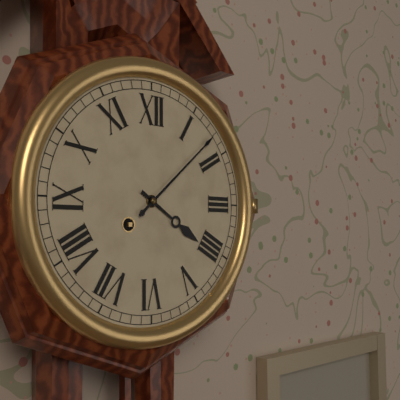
4:08
